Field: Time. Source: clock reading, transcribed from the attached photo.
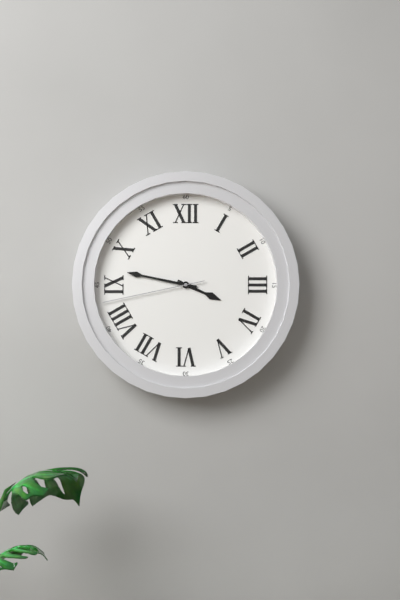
3:47:43
